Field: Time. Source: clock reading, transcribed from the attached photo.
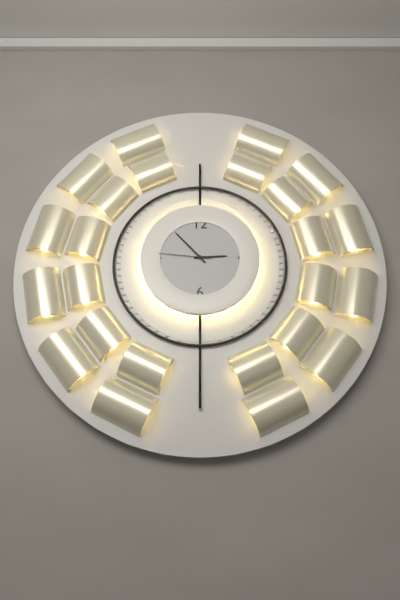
2:53:46
